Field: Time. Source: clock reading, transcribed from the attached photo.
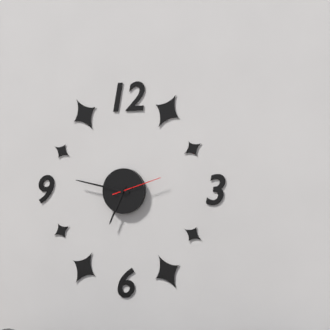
6:47:12
